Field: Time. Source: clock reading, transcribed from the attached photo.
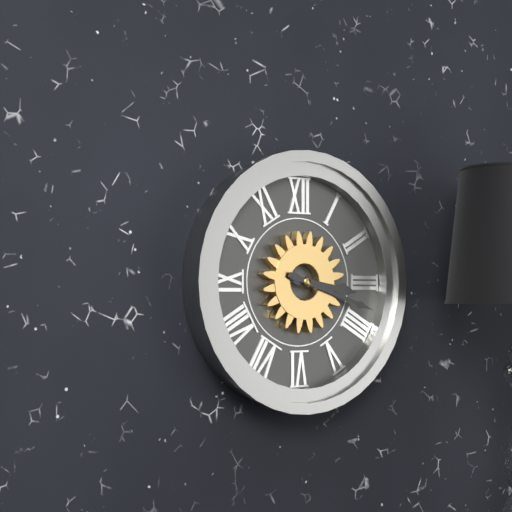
3:18
